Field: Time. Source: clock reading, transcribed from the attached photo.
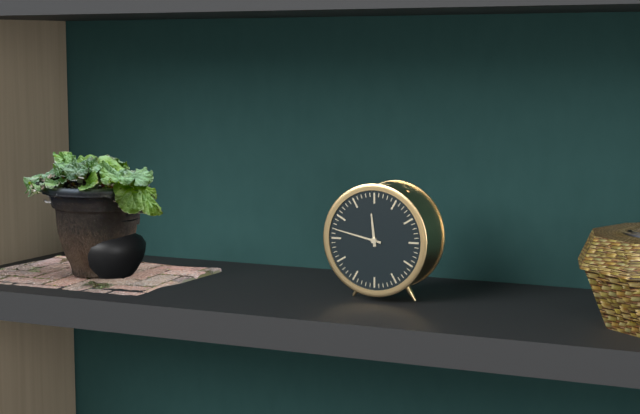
11:47
